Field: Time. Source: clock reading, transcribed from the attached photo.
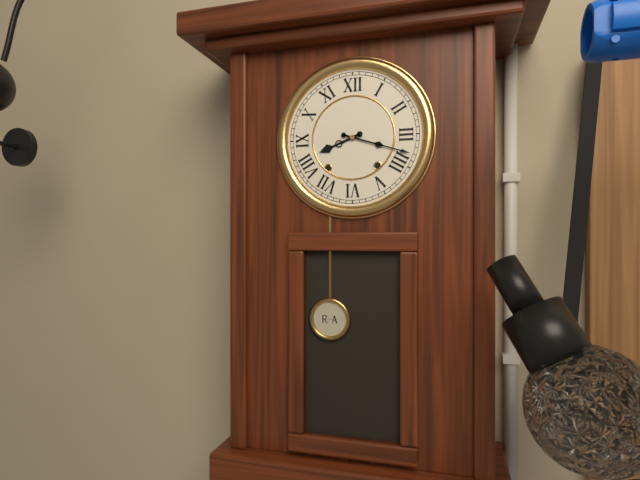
8:18
